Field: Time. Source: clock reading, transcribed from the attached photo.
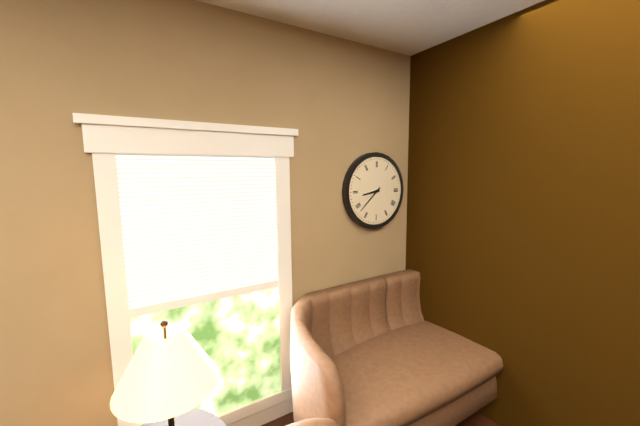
8:38
